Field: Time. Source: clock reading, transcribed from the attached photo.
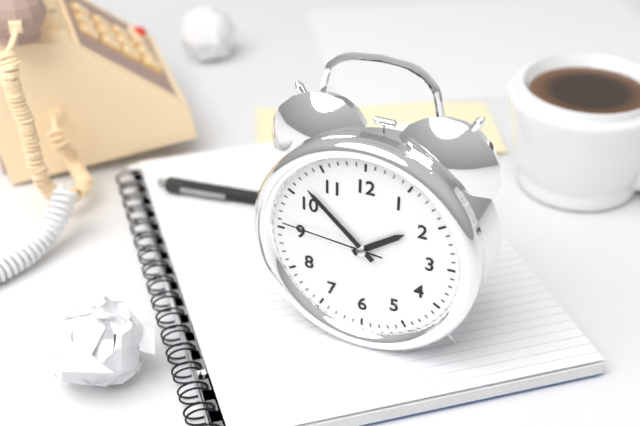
1:52:46
